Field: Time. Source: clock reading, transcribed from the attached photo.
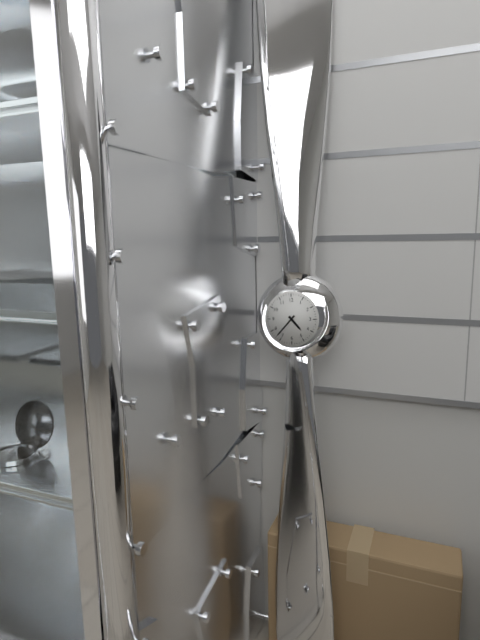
4:37
